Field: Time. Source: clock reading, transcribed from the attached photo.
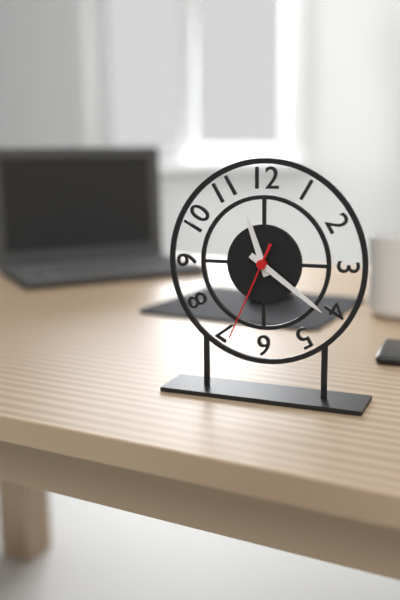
11:21:34
